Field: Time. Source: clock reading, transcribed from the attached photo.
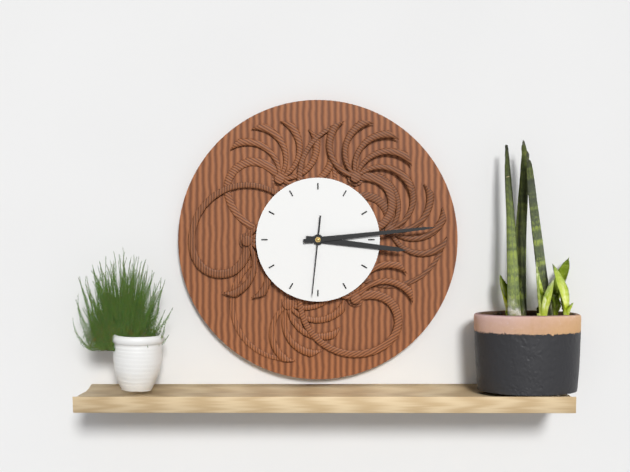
3:14:31
